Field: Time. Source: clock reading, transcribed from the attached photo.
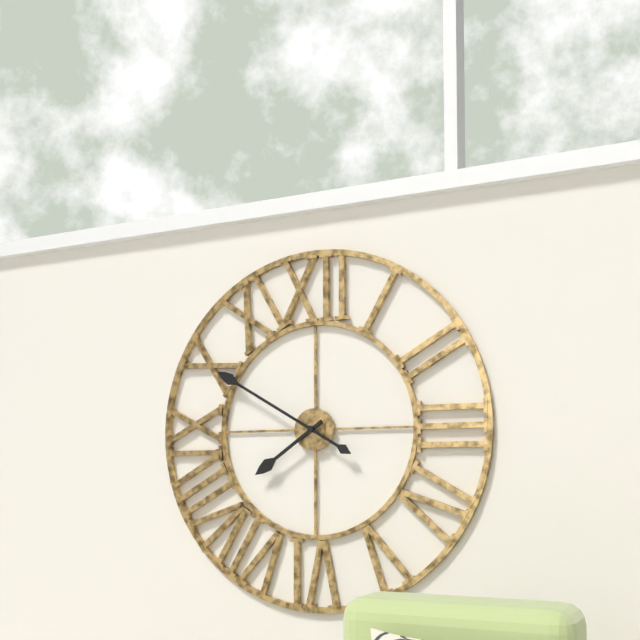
7:50
